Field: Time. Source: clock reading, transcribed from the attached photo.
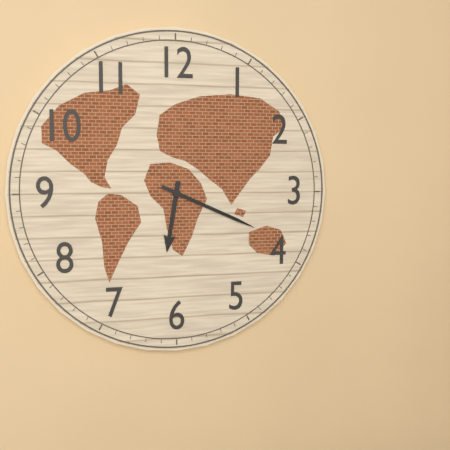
6:19
